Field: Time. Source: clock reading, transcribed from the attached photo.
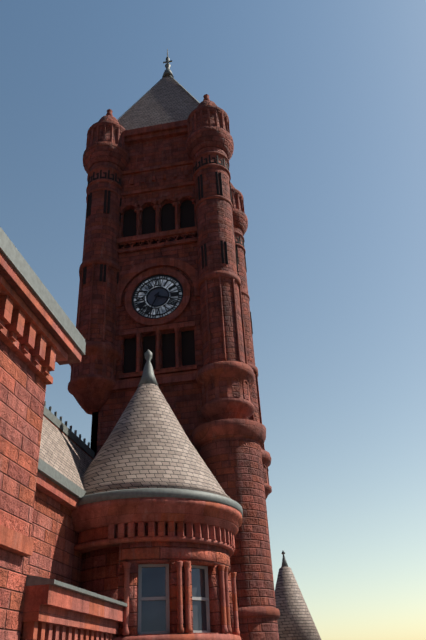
3:34
